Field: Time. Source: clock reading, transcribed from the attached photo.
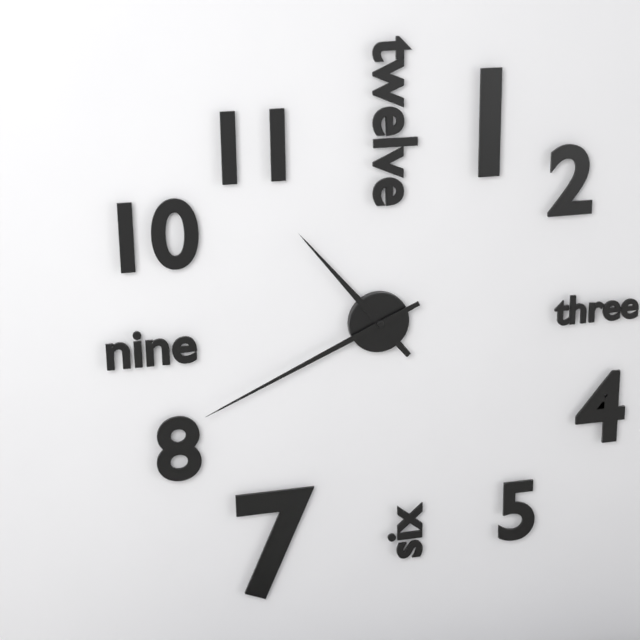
10:41
